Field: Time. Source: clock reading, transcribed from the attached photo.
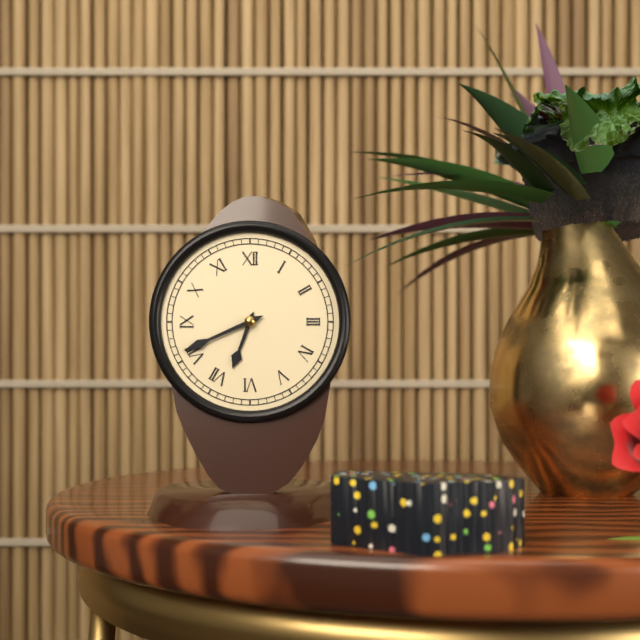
6:41
